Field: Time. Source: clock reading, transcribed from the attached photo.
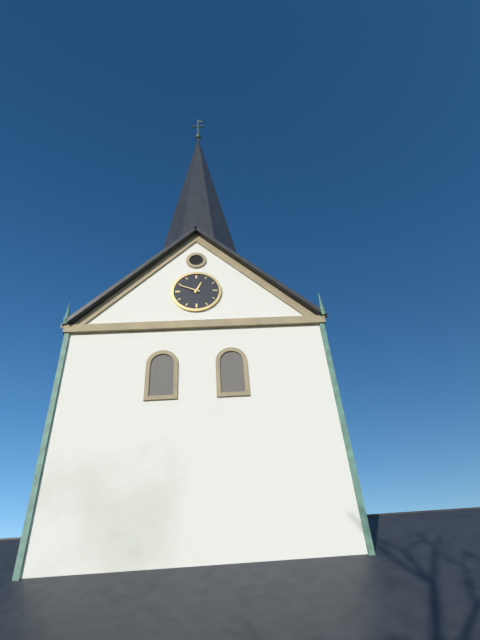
12:49
